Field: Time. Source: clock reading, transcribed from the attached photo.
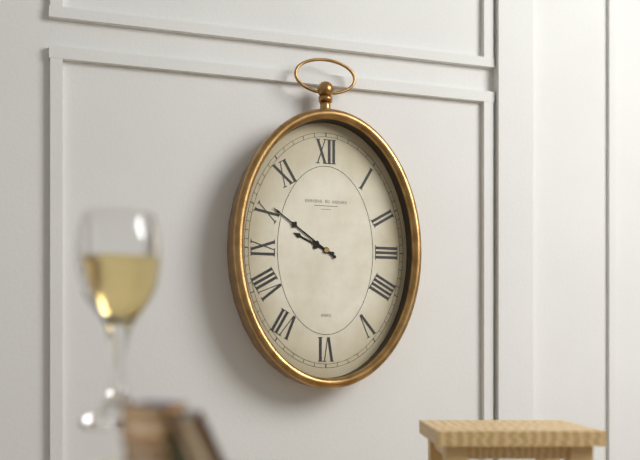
9:51
